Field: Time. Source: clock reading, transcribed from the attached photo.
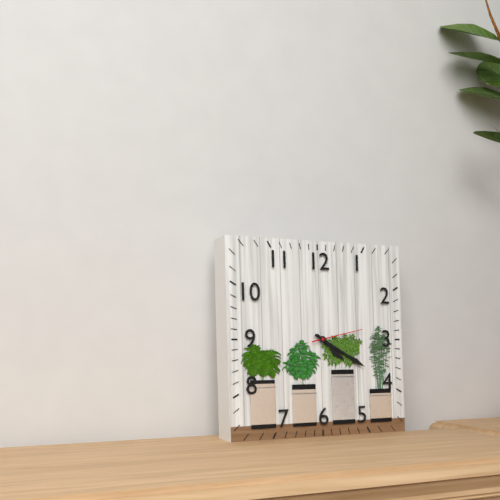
4:20:13
